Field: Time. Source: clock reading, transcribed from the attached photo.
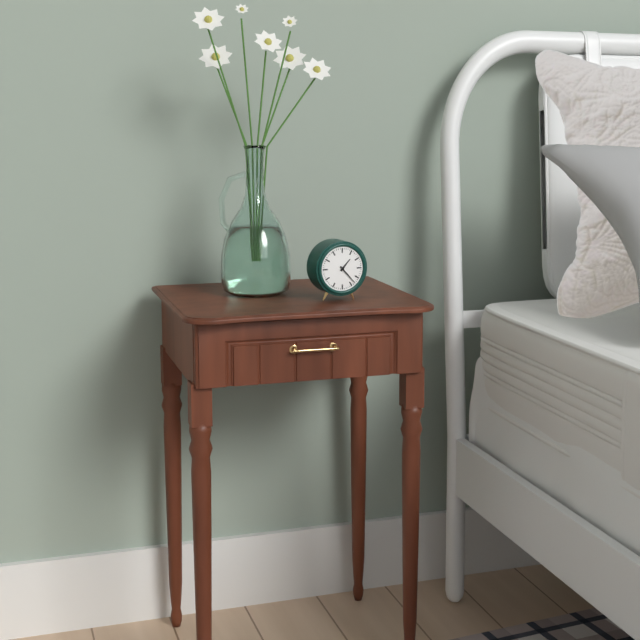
1:23
